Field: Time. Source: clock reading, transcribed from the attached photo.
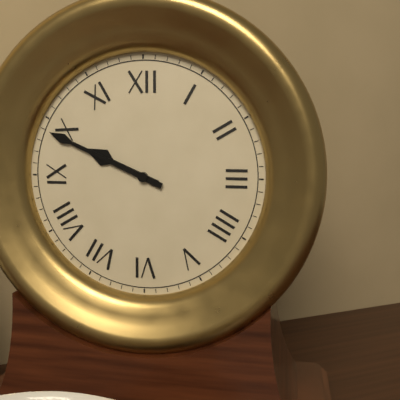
9:49
